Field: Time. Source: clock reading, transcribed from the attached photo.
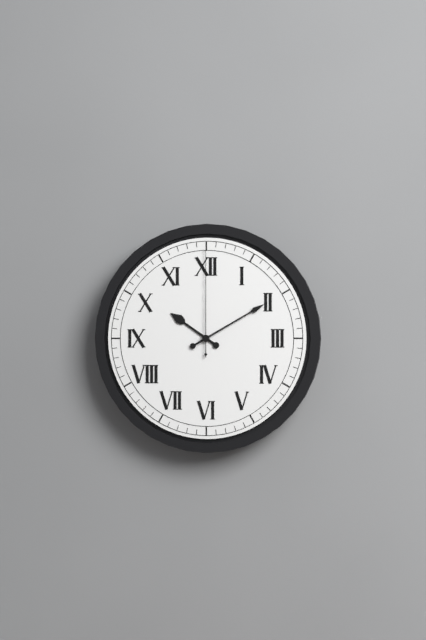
10:10:00
